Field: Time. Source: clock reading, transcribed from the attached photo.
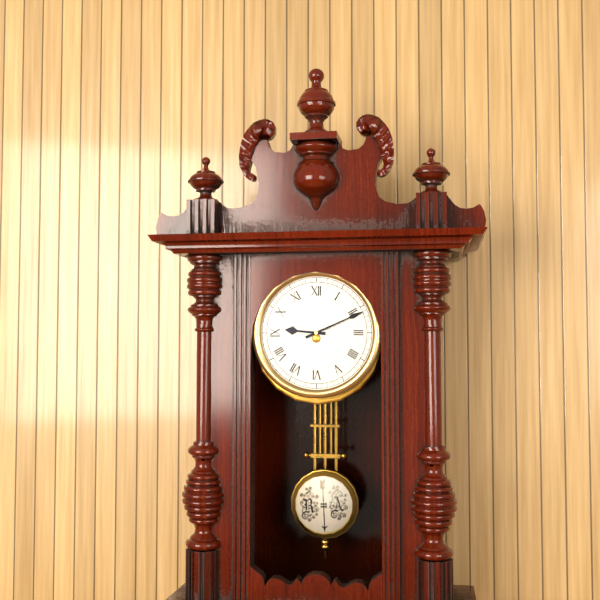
9:11
